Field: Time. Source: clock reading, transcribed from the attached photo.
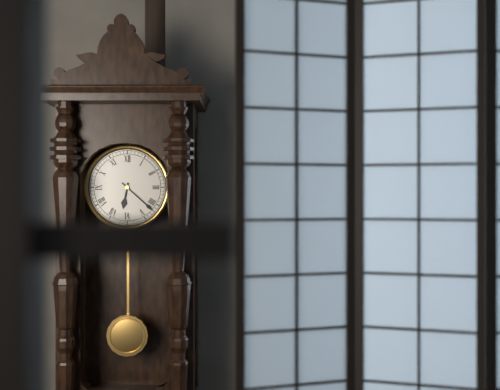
6:22
